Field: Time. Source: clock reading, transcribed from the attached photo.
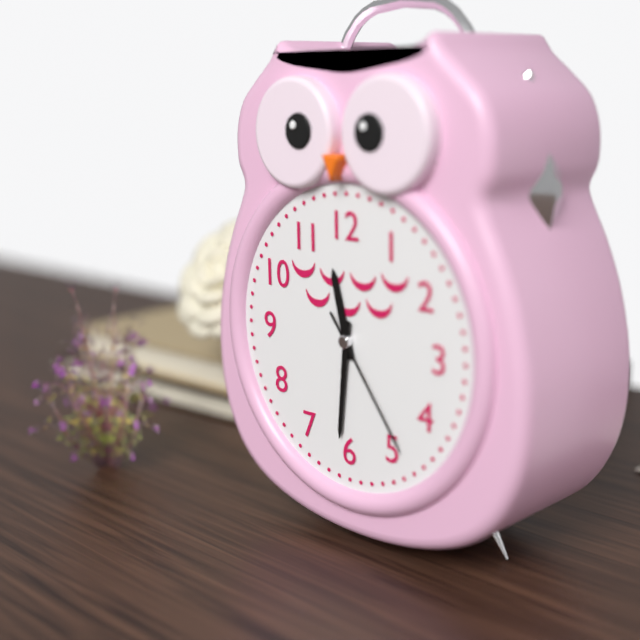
11:31:24
